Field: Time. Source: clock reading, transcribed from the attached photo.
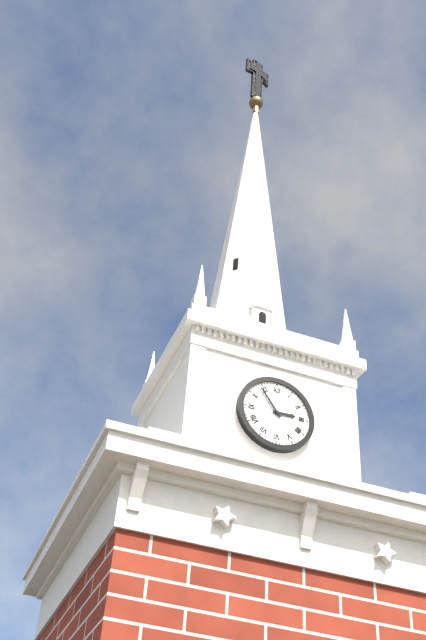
2:54
